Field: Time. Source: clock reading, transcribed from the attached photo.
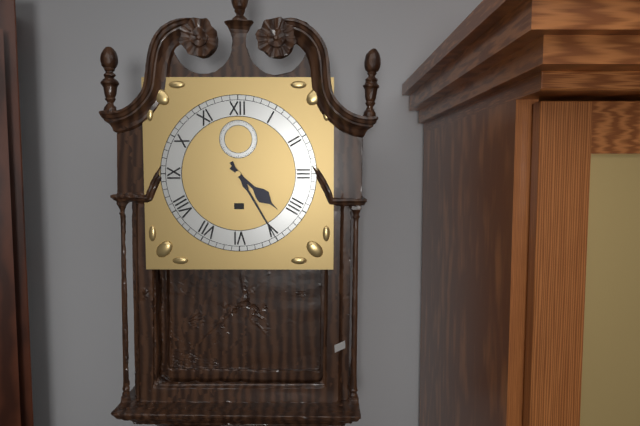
4:25
